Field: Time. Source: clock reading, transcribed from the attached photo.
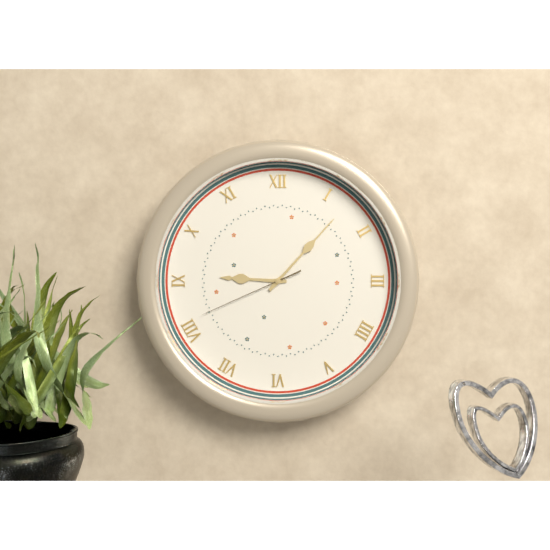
9:07:41
